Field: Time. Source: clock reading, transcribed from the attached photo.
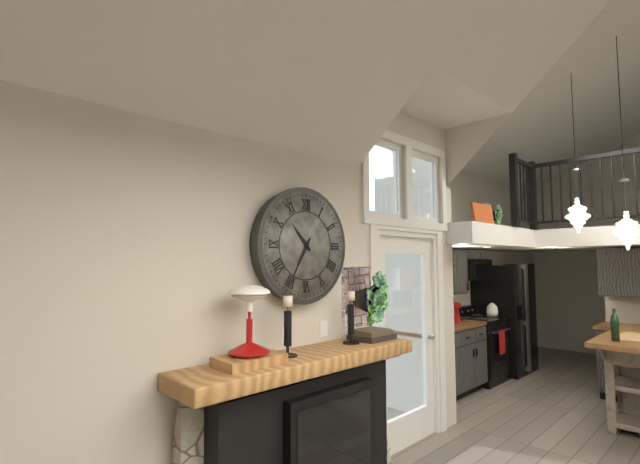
10:35
